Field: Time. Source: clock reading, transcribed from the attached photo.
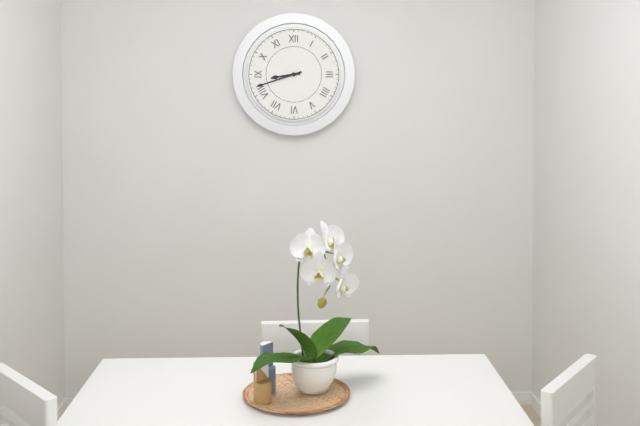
8:42
